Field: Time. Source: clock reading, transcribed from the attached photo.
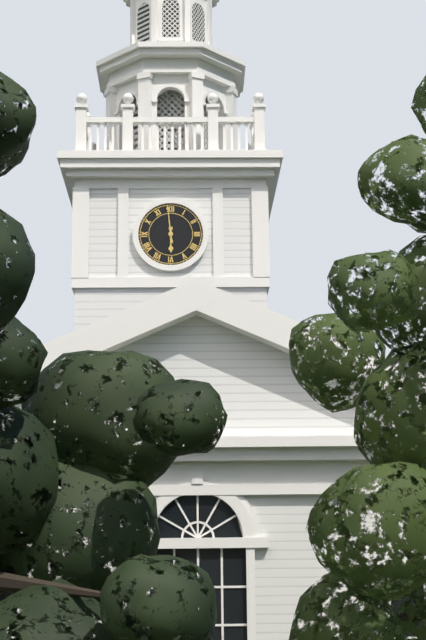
5:59
